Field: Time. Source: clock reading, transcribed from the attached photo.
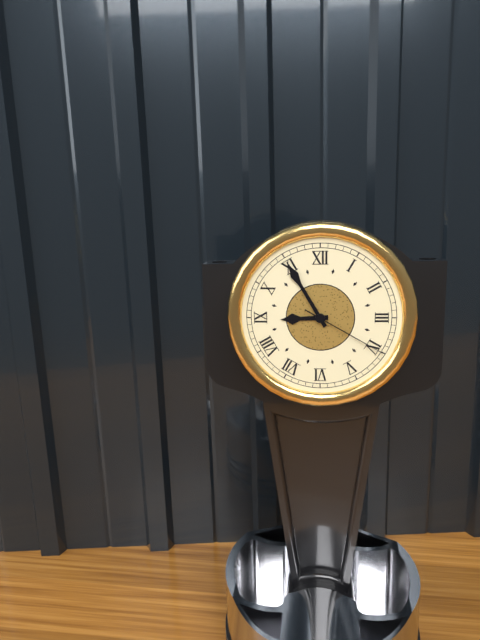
8:55:20
